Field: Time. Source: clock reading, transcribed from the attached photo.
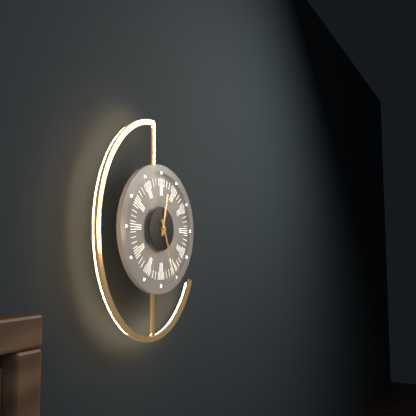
12:26
